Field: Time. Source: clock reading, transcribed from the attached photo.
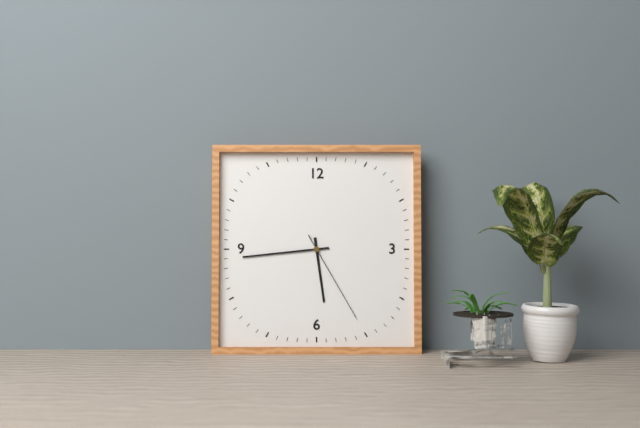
5:44:25
